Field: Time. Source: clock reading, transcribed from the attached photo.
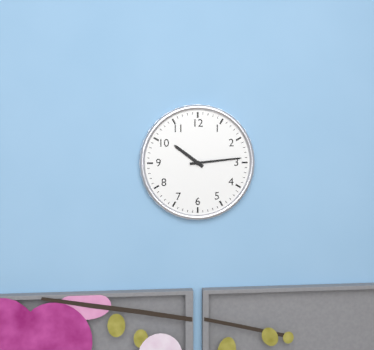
10:14
